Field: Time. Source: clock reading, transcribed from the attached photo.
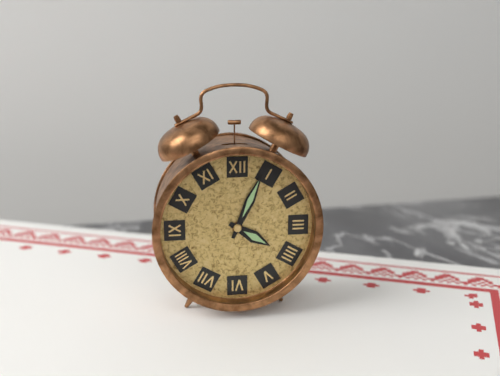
4:04
